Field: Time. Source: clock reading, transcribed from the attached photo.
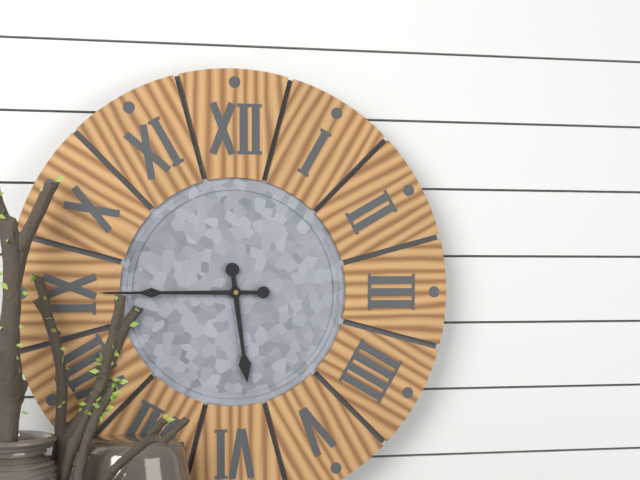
5:45
